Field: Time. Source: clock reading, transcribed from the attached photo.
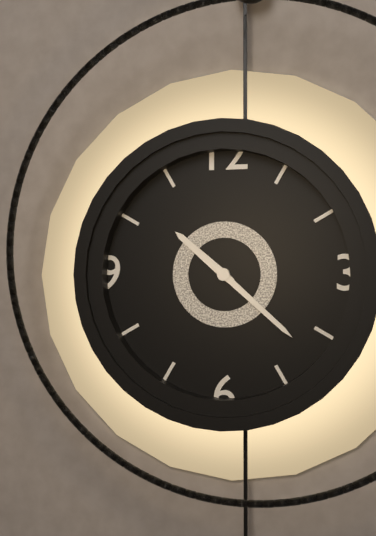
10:22
